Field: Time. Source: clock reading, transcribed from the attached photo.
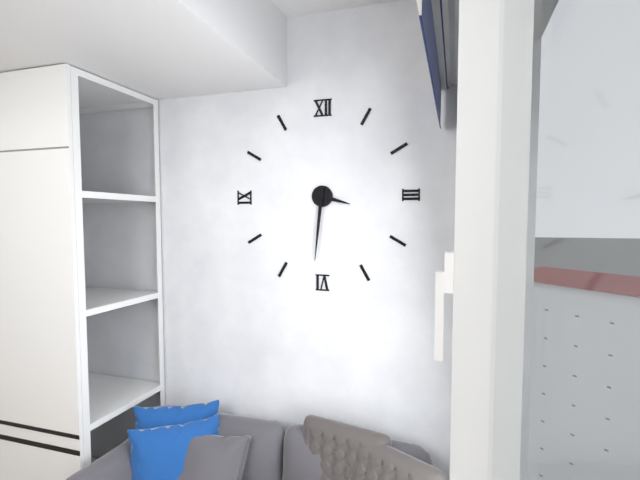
3:31
